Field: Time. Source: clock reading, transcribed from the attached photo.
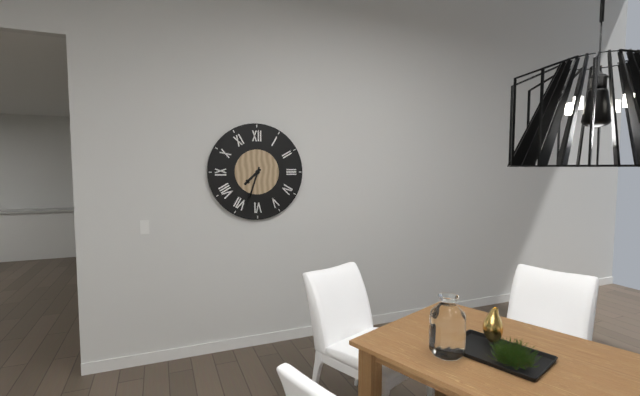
7:33
